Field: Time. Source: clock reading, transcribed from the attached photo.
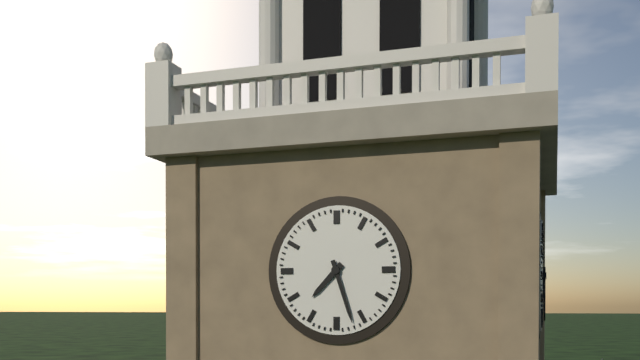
7:27
